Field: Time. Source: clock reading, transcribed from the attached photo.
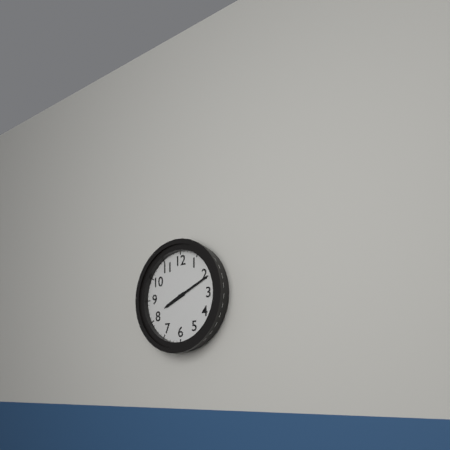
8:11
